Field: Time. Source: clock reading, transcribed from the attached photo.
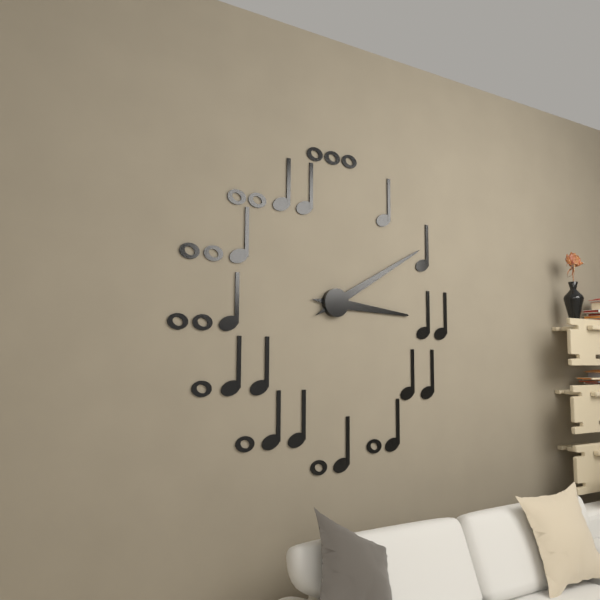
3:10
